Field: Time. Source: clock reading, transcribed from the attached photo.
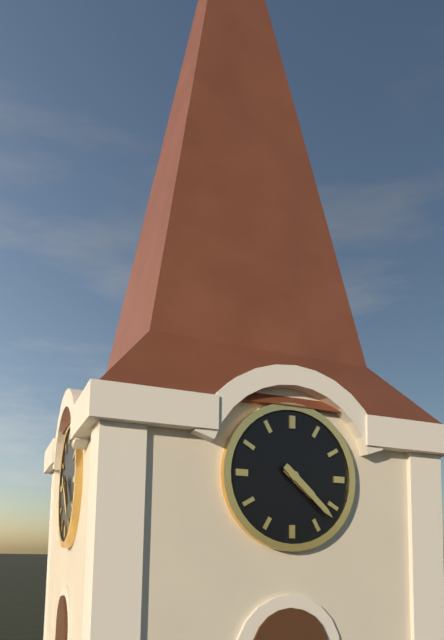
4:22
